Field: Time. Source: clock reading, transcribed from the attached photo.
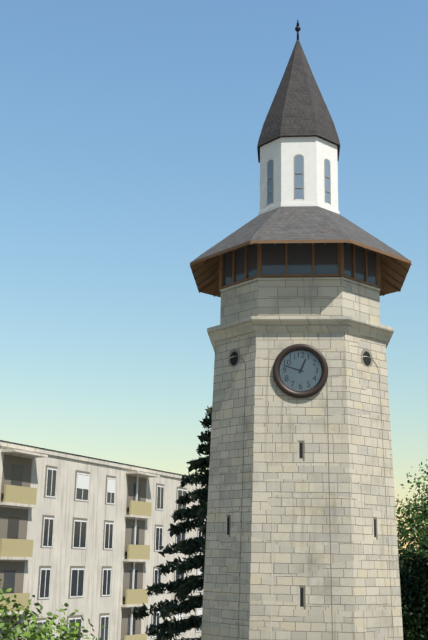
12:48
